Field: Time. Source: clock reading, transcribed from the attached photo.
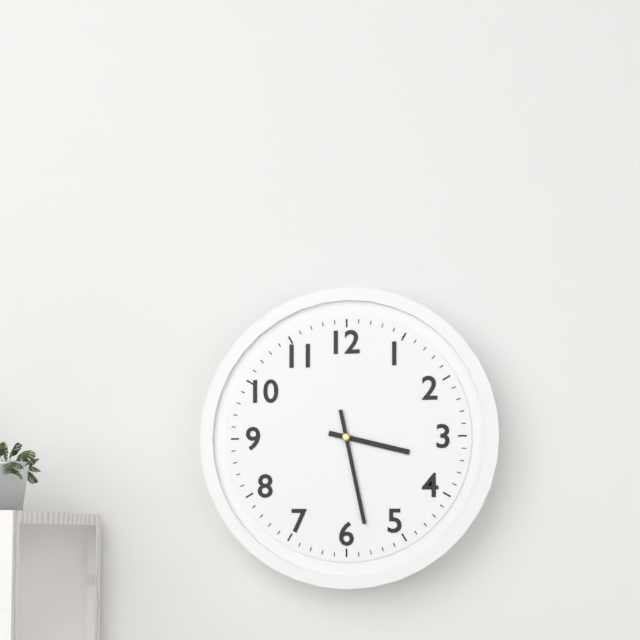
3:28
